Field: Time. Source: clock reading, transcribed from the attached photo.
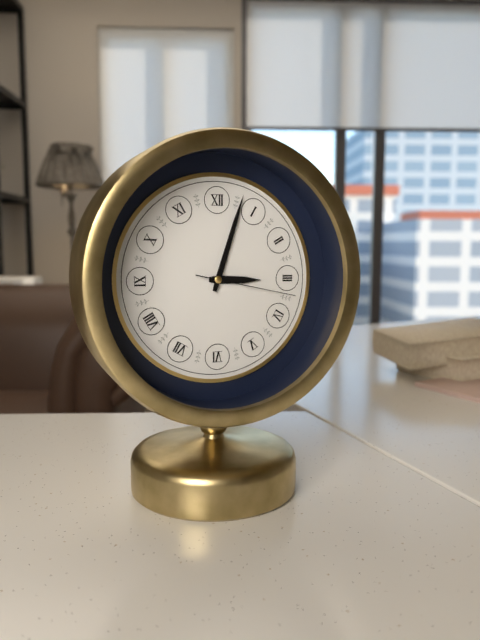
3:03:17
